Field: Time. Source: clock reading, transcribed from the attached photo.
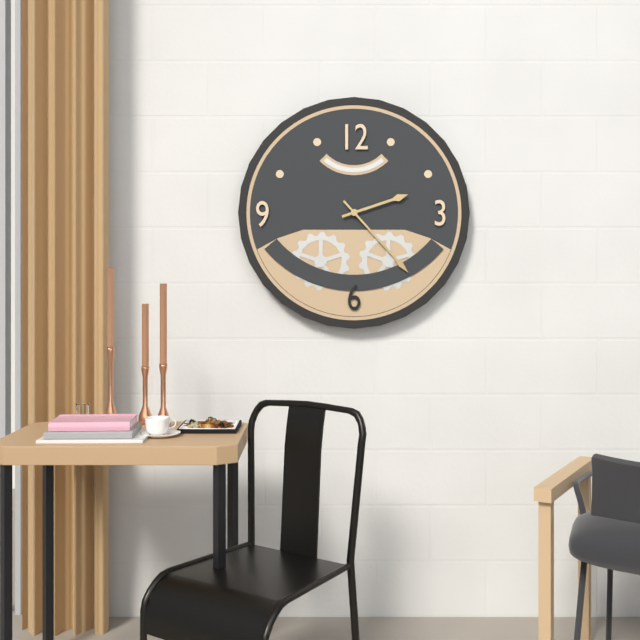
2:23
